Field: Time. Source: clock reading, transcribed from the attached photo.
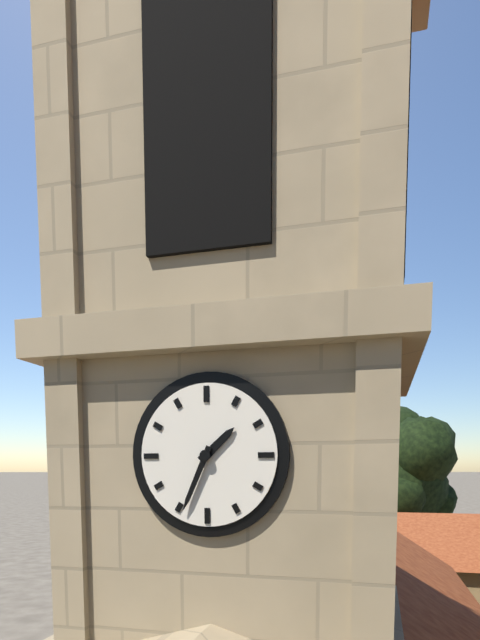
1:34
